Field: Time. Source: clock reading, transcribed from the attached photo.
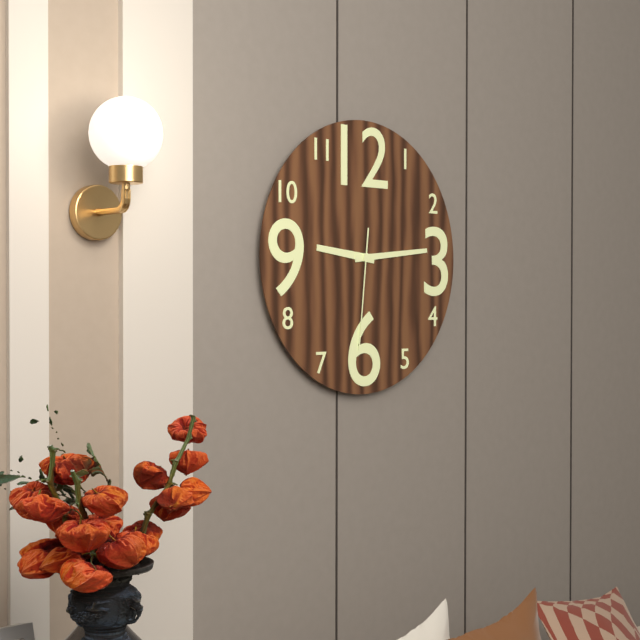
9:14:31
